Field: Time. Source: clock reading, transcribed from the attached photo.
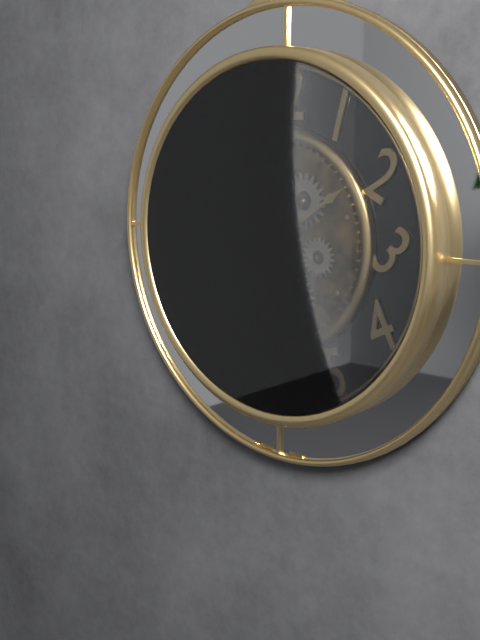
1:52
